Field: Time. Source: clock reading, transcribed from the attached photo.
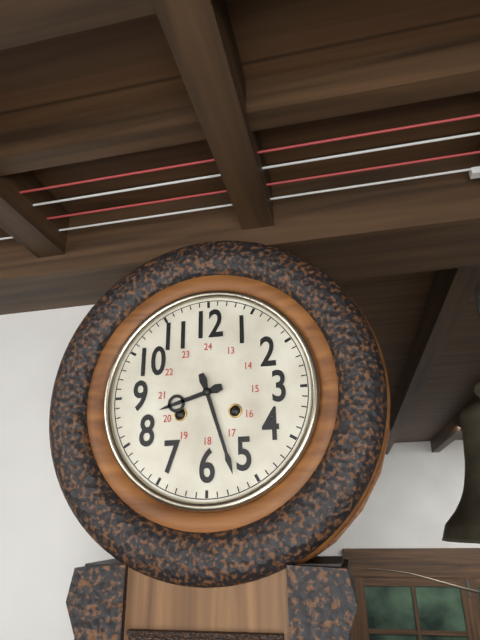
8:27
